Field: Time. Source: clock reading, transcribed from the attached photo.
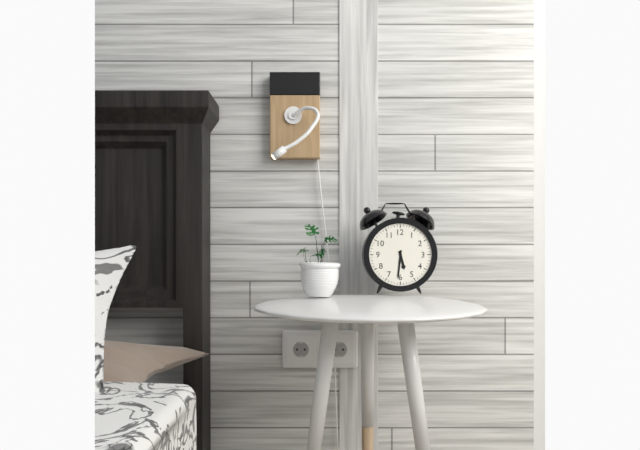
5:31
